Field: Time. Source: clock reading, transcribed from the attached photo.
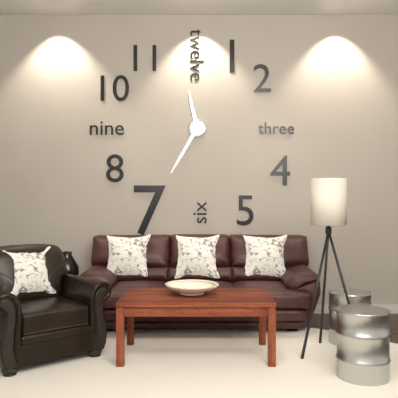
11:35
